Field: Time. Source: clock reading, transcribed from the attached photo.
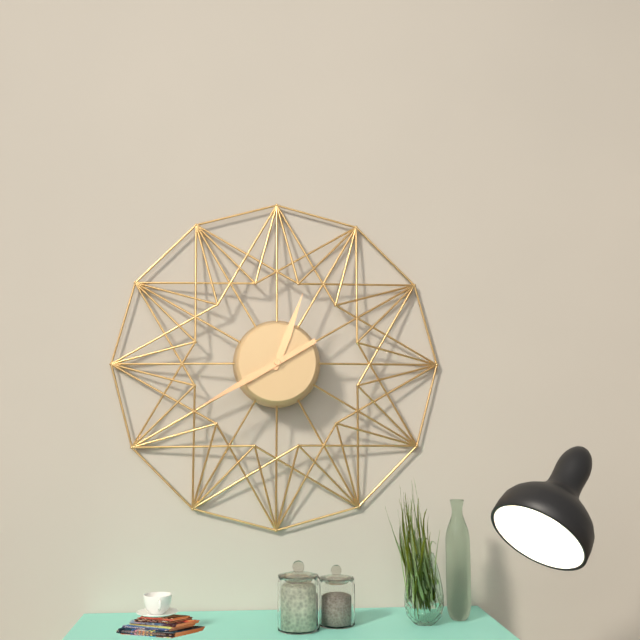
12:40
